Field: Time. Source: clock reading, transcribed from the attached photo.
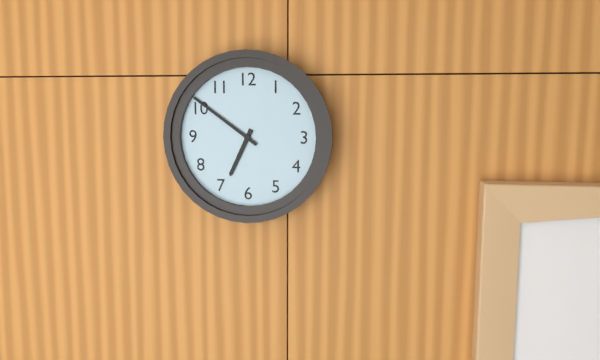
6:51
